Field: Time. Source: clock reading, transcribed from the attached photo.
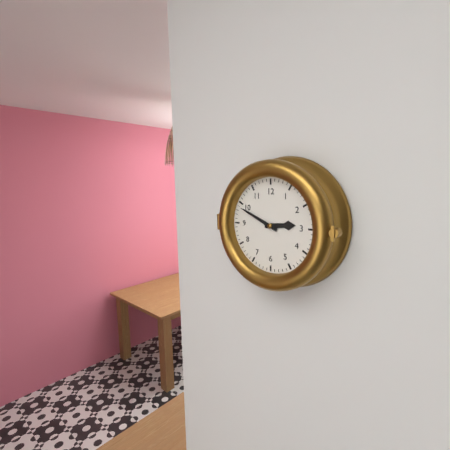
2:49
